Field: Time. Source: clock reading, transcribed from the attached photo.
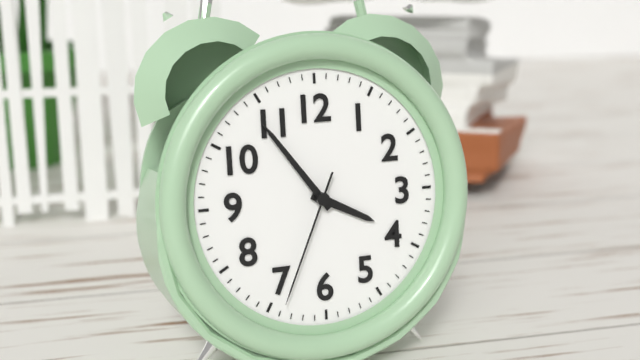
3:54:34
